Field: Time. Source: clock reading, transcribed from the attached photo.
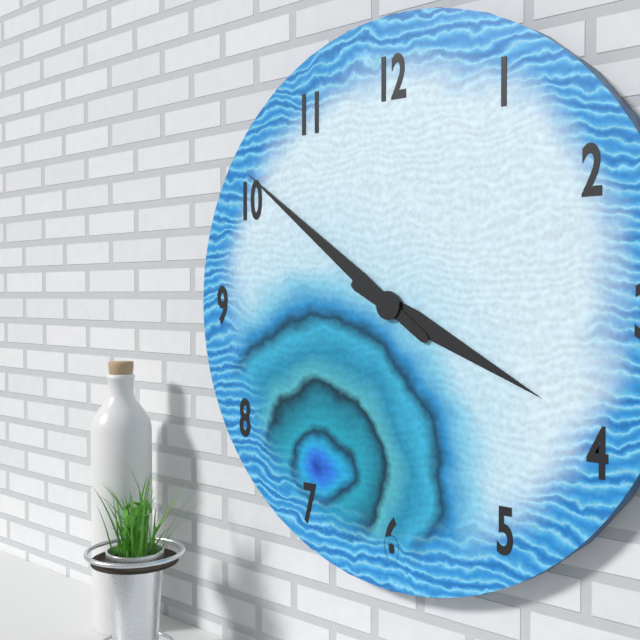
3:51
